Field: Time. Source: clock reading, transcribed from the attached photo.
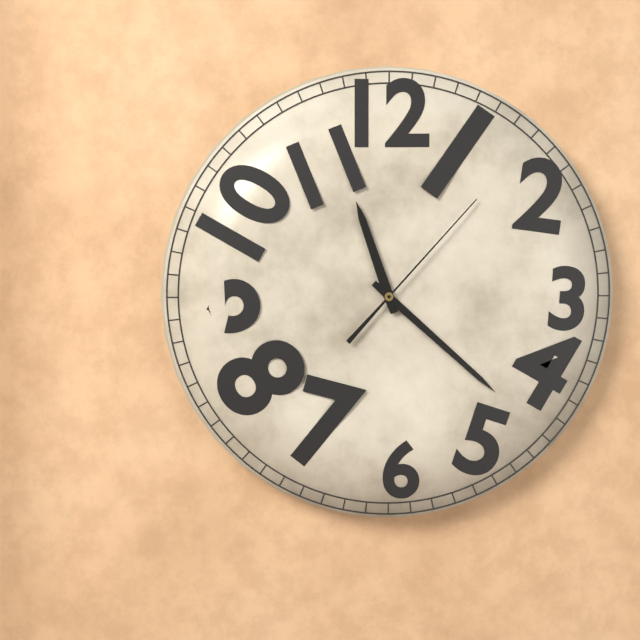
11:22:07
